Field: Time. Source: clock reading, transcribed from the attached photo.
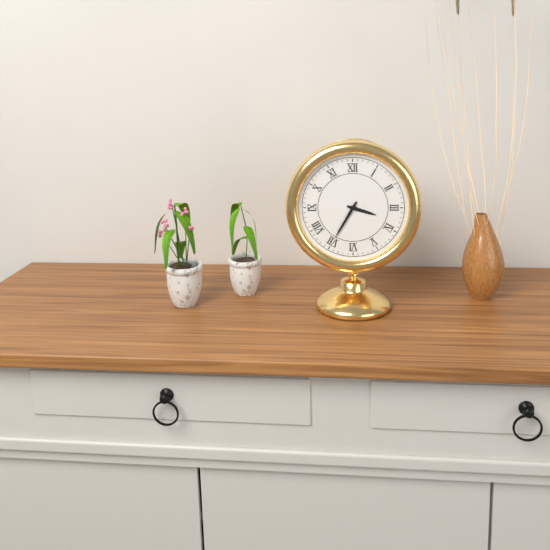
3:35
